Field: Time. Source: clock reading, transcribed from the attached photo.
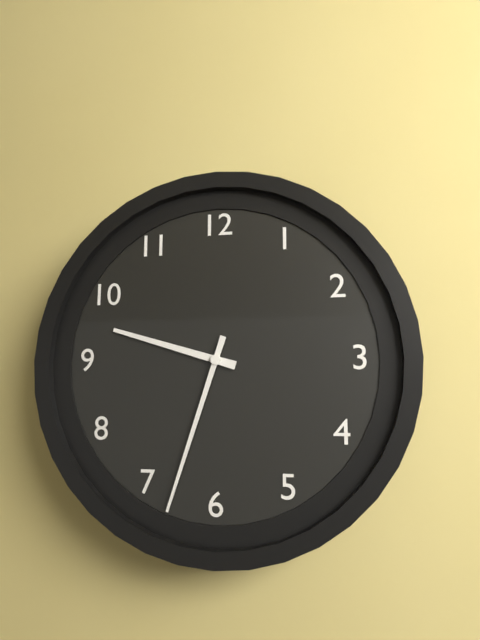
9:33
